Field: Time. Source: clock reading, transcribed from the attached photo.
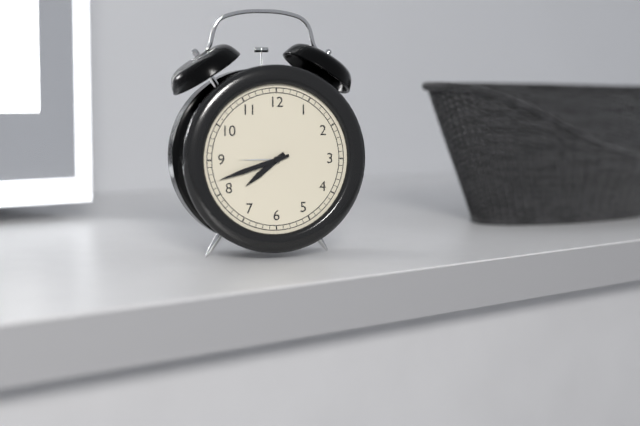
7:42
